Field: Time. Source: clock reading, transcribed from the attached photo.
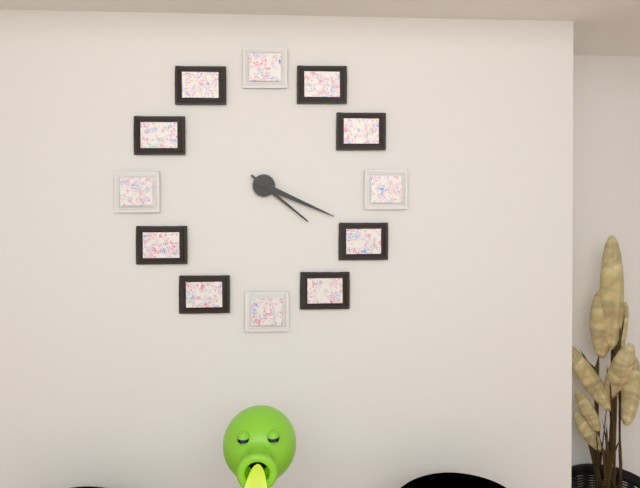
4:19
